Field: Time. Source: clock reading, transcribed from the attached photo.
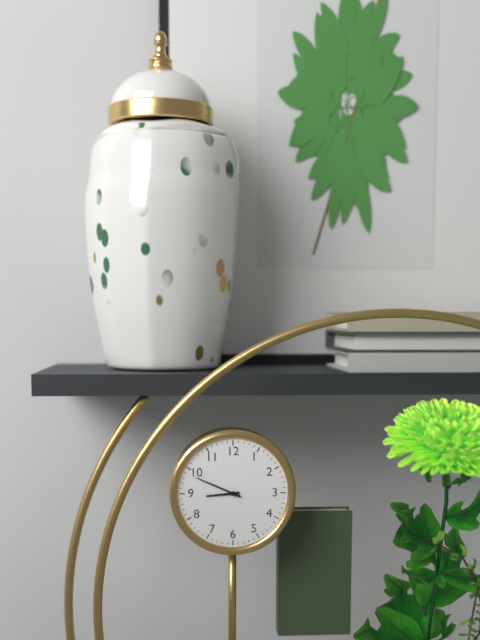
8:49
